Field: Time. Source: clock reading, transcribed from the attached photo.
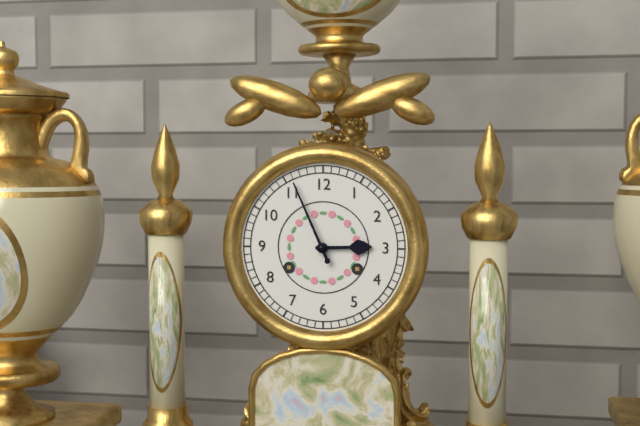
2:56
